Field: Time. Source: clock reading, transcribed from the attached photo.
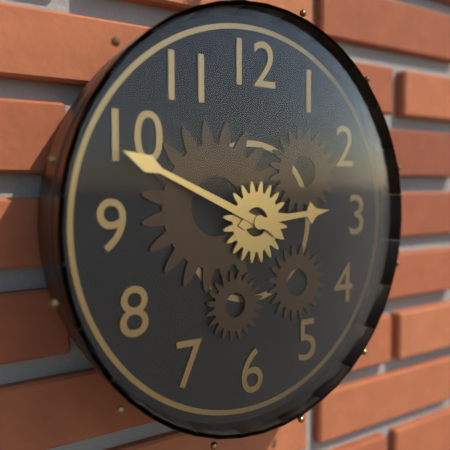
2:49
